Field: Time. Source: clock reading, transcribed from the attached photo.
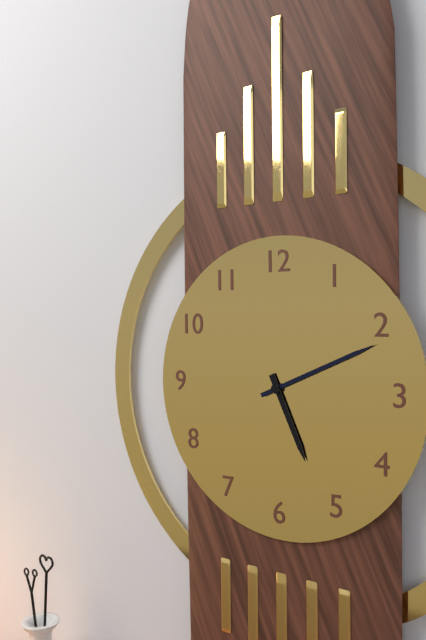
5:11
